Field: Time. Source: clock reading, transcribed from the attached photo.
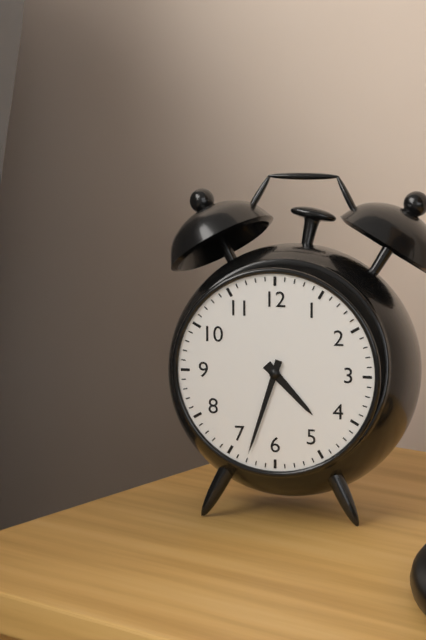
4:33
